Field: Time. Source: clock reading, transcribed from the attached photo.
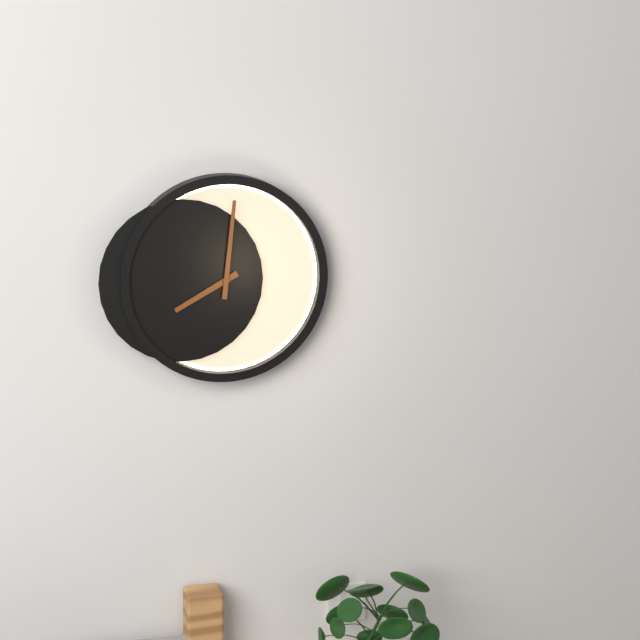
8:01
